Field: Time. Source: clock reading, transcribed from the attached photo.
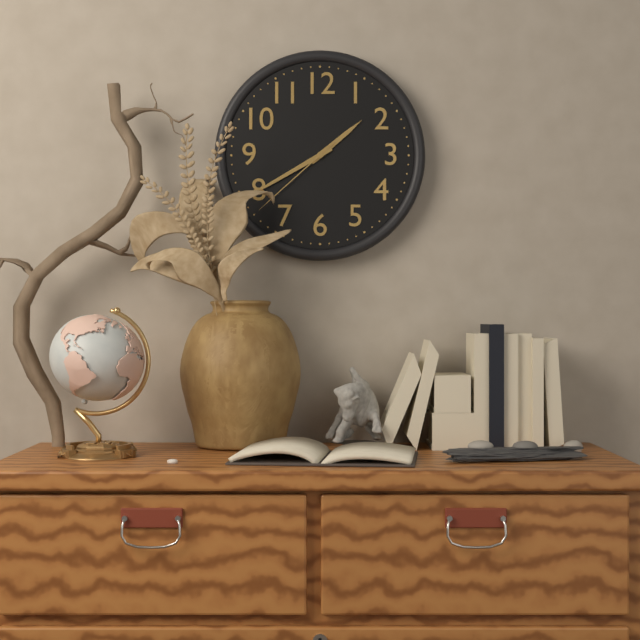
1:40:38
